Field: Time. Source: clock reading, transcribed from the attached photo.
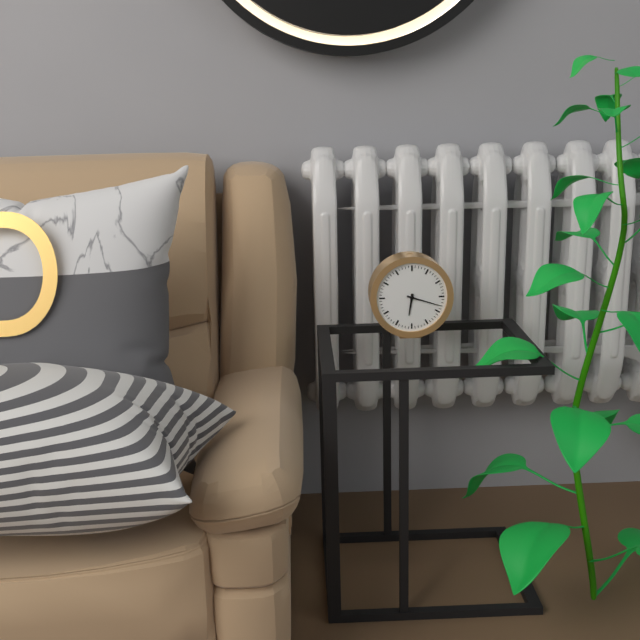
6:18
